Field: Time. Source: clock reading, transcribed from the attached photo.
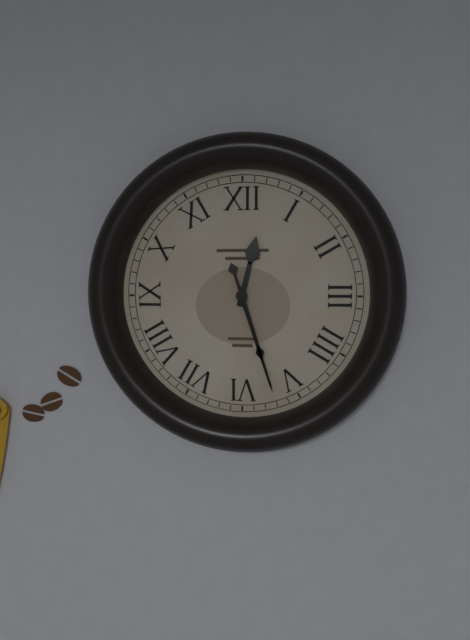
12:27
